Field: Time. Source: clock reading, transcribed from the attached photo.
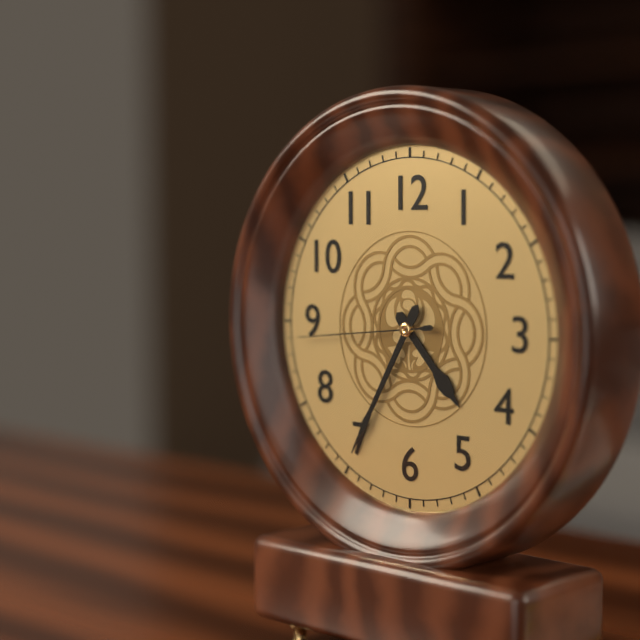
4:35:44
